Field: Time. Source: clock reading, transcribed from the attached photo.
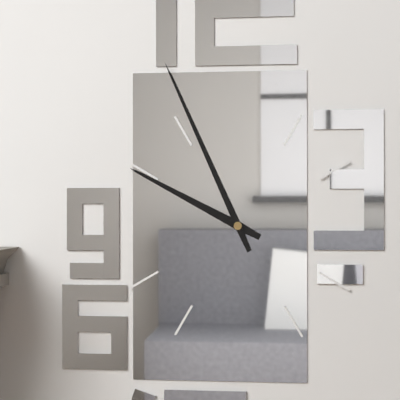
9:56
